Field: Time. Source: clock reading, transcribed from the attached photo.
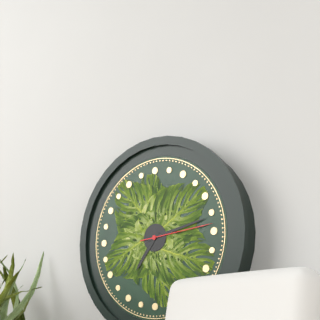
7:13:14
